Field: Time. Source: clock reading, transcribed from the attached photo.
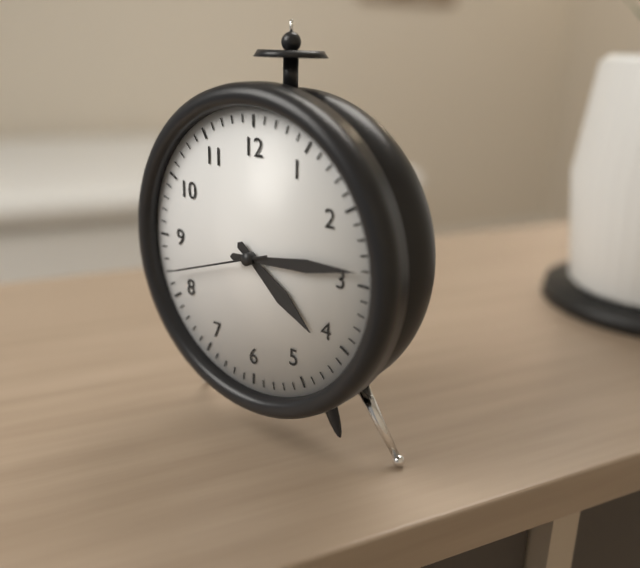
4:14:42
